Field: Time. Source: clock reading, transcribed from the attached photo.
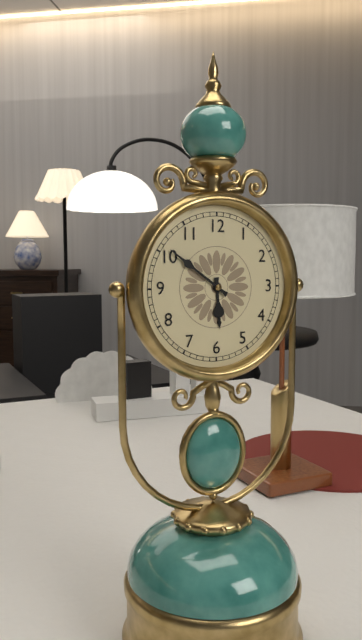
5:51
